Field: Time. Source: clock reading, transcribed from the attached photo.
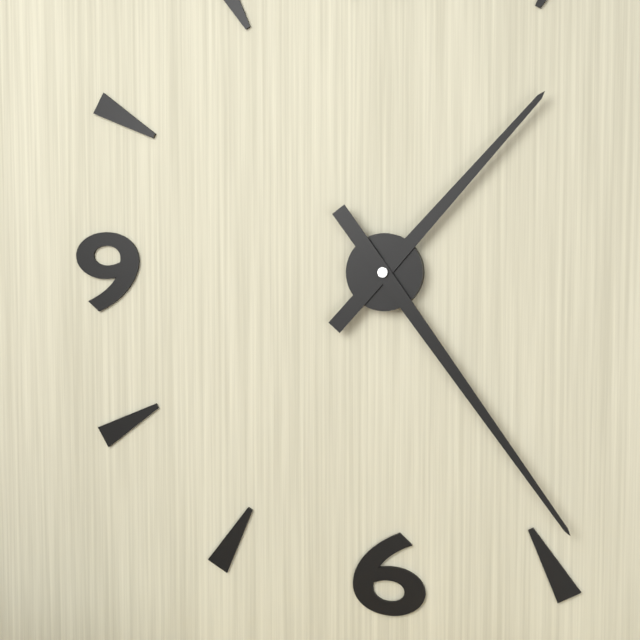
1:24
